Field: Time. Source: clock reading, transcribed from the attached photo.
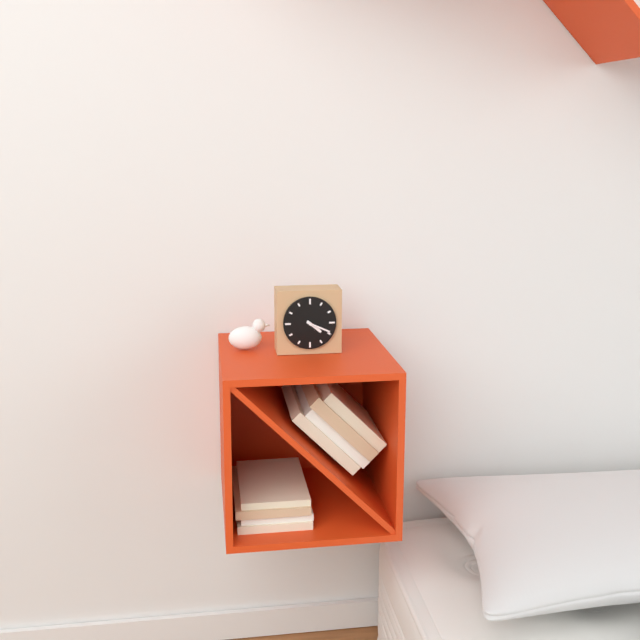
4:19
